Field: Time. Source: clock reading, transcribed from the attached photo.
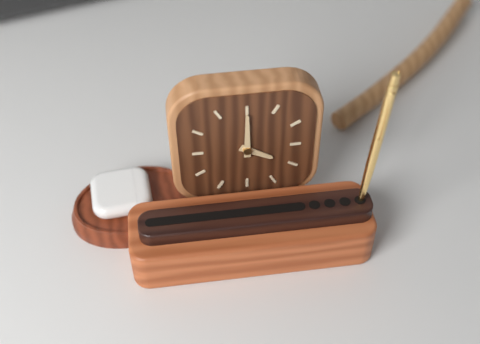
4:00
